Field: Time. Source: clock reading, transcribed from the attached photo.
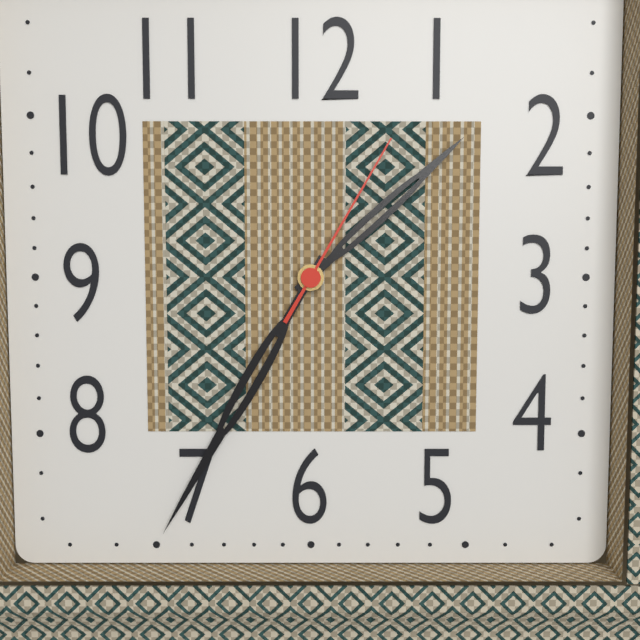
1:35:05
